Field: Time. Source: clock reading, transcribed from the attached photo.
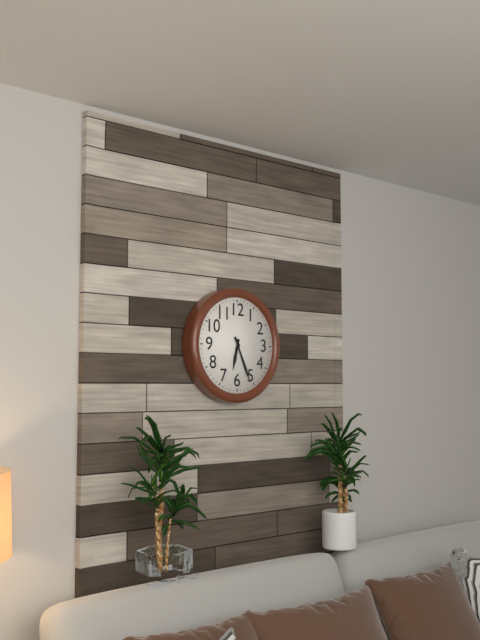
6:26
